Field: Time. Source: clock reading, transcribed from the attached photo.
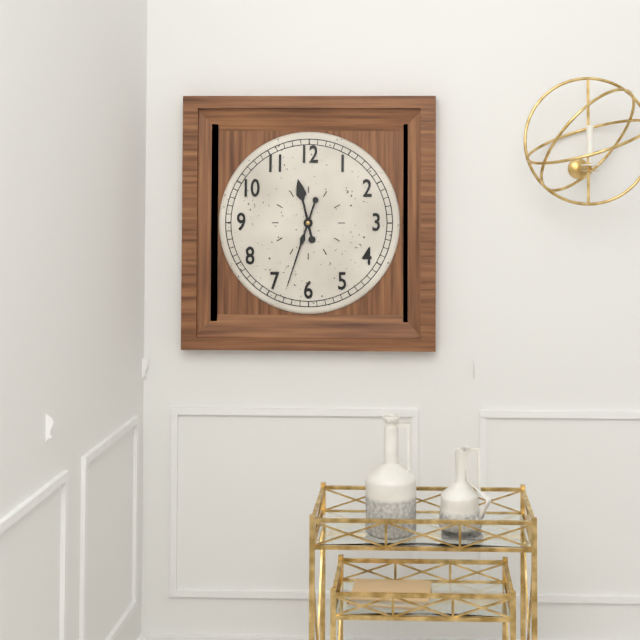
11:33
